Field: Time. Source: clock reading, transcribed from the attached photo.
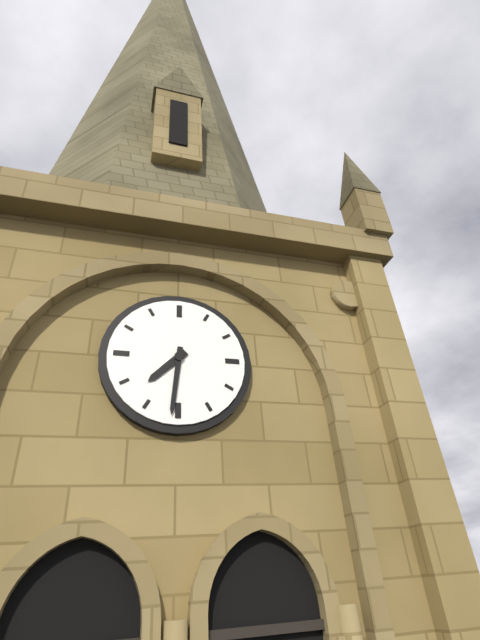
7:31
